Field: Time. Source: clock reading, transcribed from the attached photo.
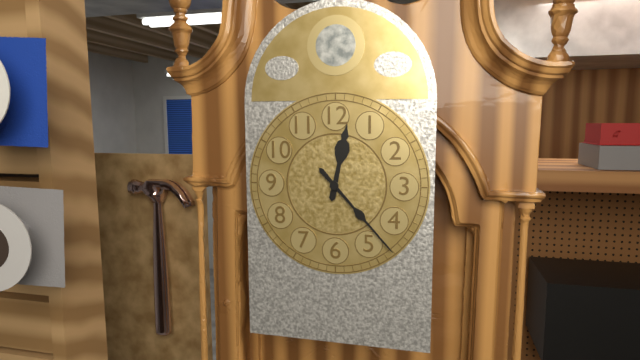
12:23
